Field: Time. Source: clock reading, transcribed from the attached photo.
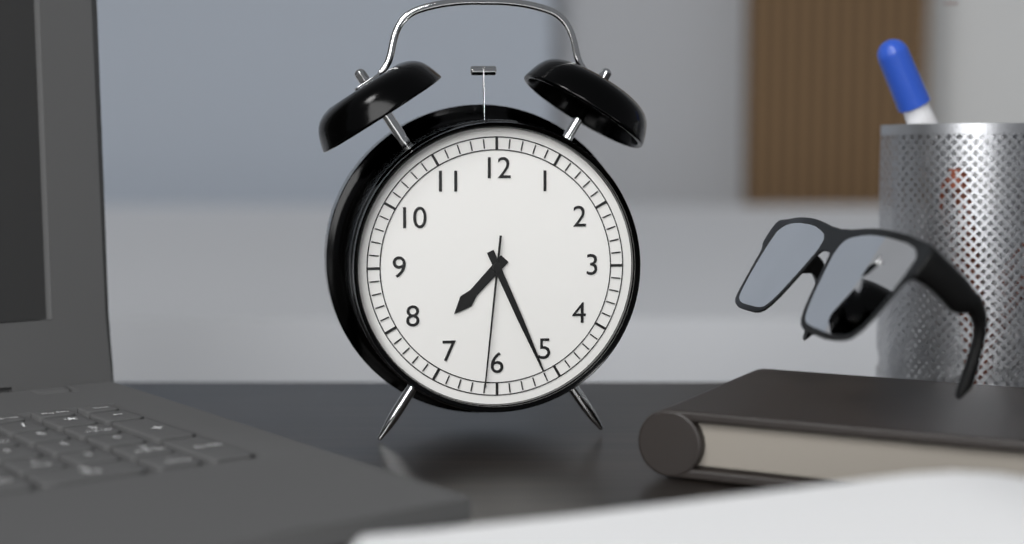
7:26:31
